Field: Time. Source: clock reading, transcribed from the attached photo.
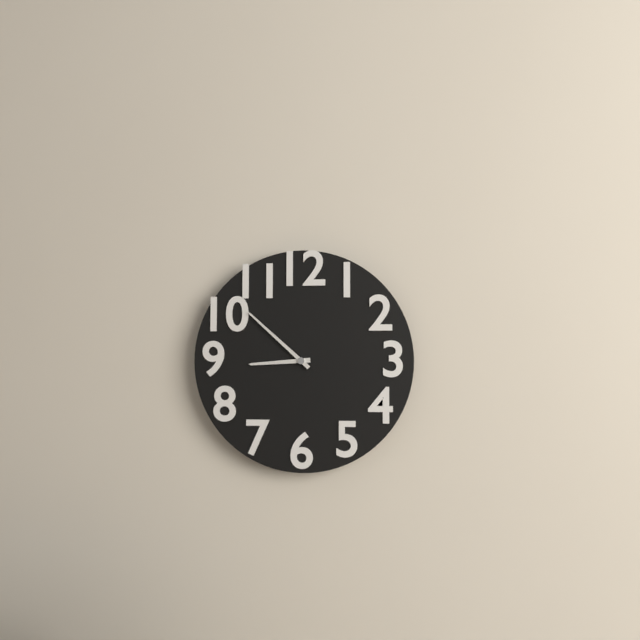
8:52
